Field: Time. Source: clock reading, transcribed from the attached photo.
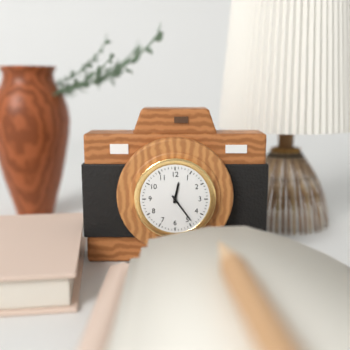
12:24
